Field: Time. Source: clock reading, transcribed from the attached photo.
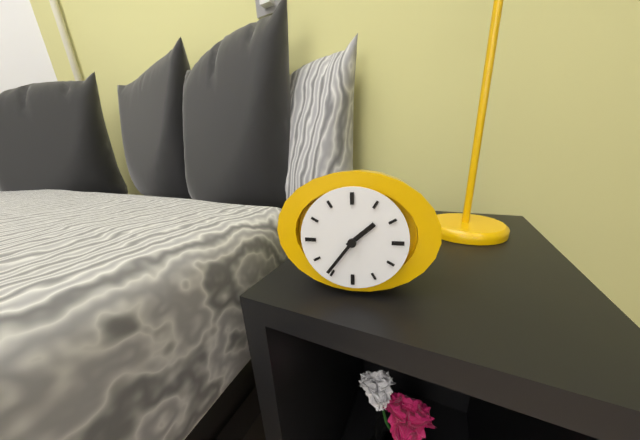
1:36
